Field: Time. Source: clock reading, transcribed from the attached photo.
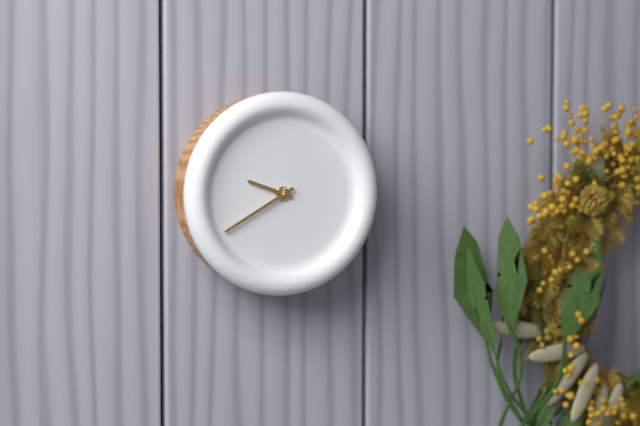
9:40
